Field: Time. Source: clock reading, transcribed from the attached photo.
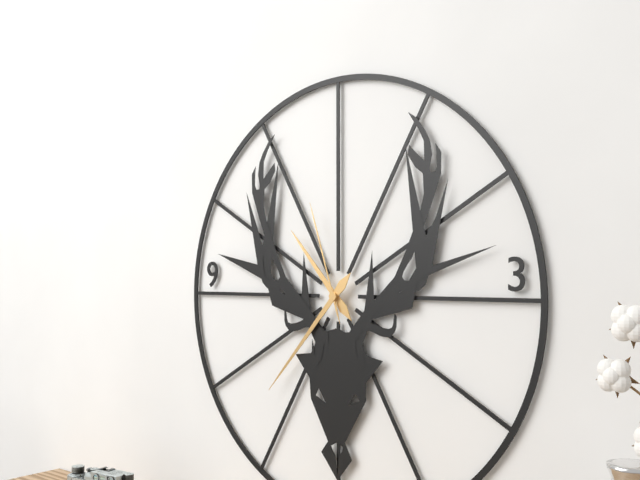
10:37:57
